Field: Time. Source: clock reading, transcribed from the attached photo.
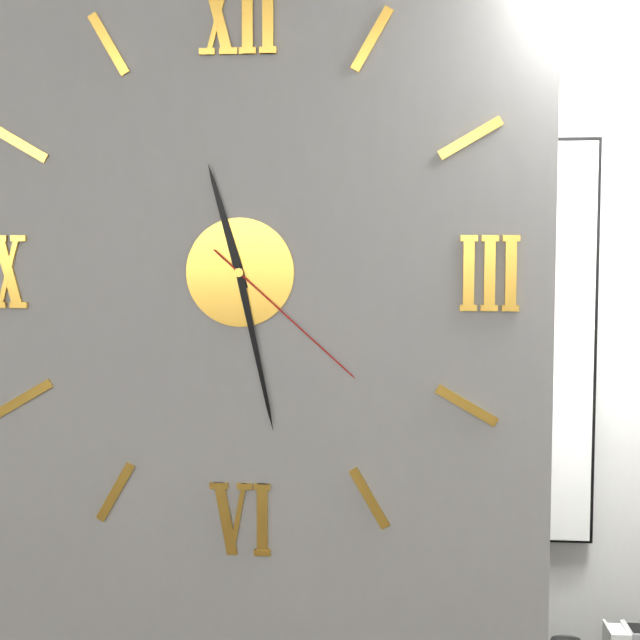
11:28:22
